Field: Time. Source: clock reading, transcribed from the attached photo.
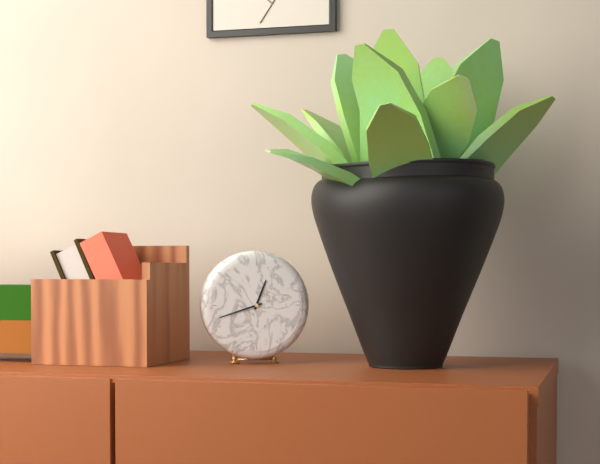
12:42
